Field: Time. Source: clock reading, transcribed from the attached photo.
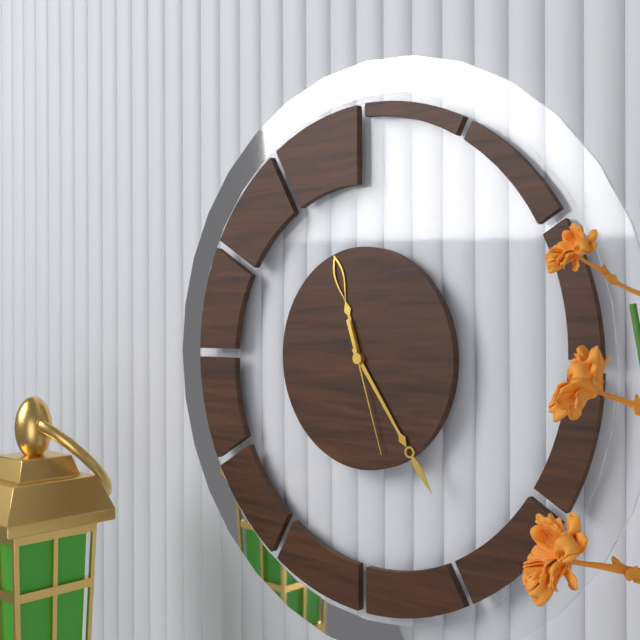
11:24:27
